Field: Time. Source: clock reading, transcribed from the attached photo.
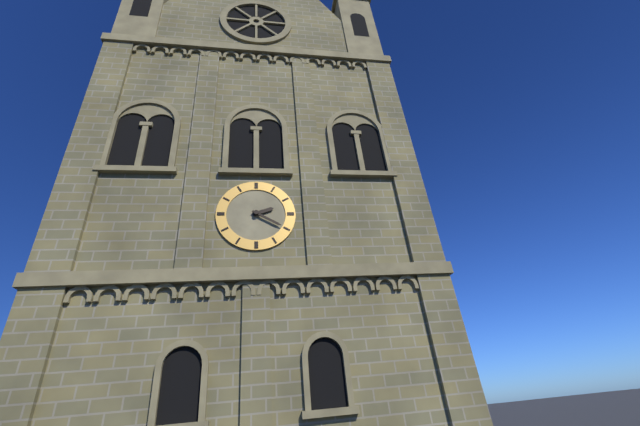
2:20
